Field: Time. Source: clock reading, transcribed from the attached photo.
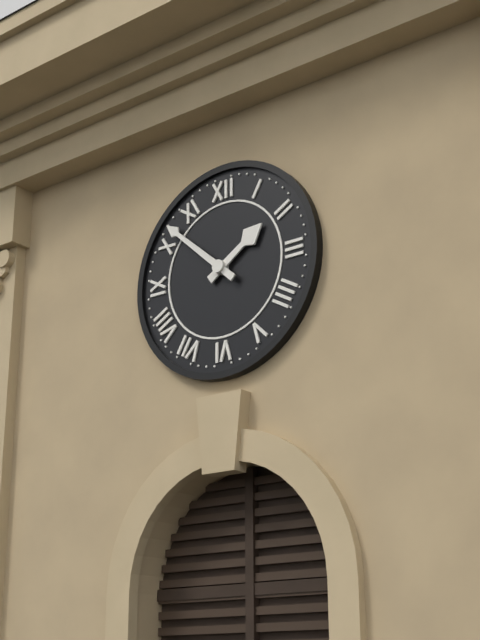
1:52
